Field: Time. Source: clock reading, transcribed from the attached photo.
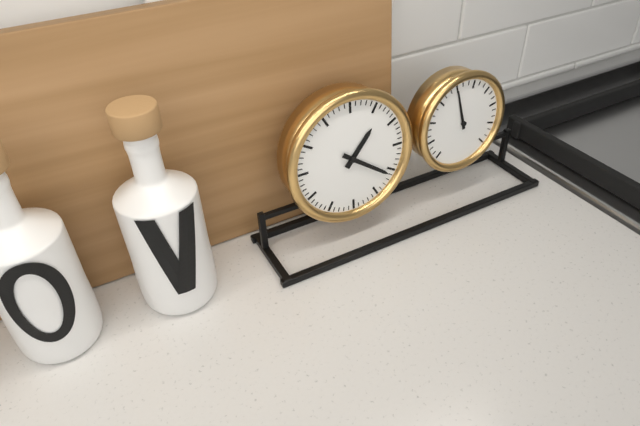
1:21
